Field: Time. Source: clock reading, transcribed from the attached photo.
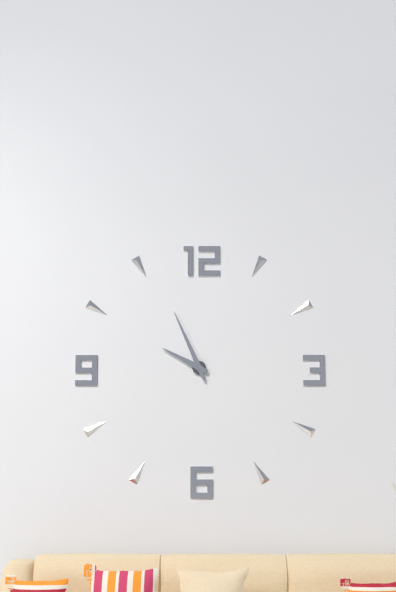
9:56
